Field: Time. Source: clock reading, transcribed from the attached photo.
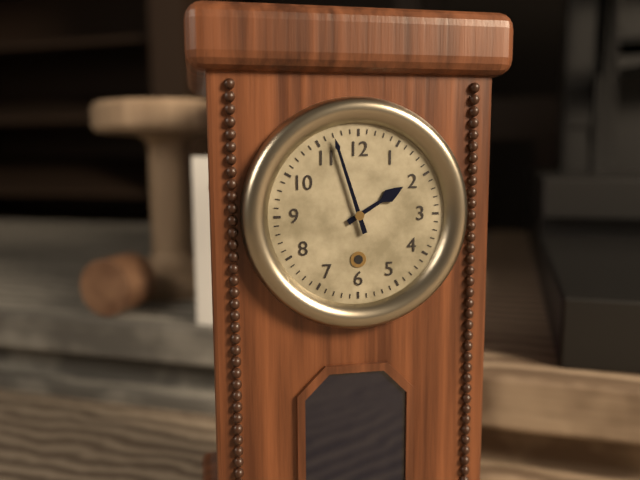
1:57
